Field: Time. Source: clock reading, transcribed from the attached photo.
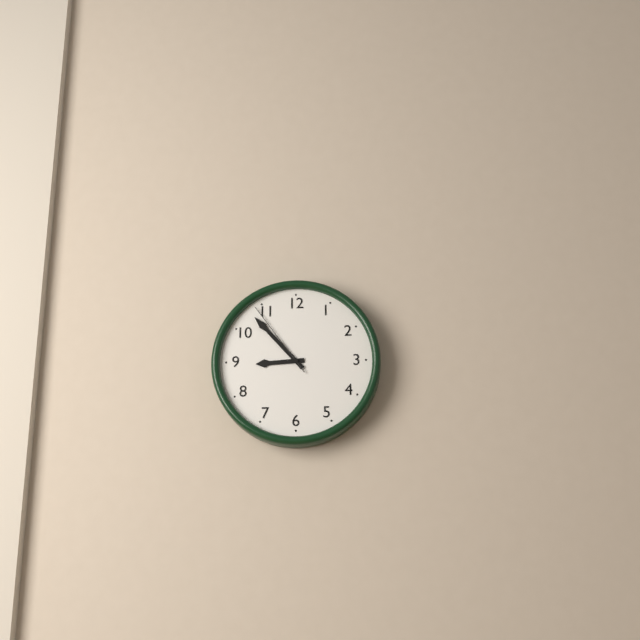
8:53:54
